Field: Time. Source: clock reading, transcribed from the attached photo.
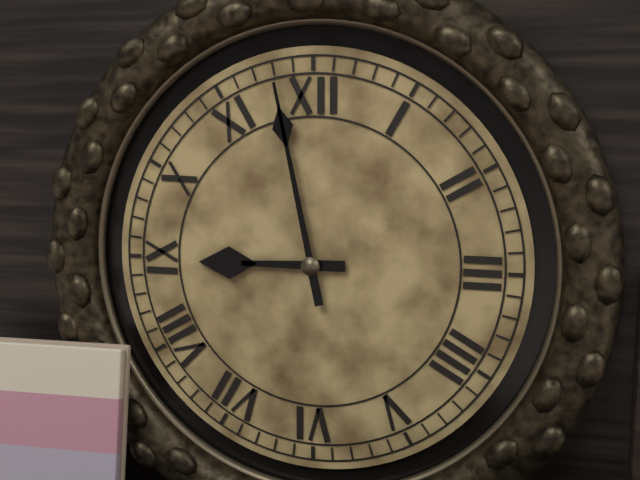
8:58
